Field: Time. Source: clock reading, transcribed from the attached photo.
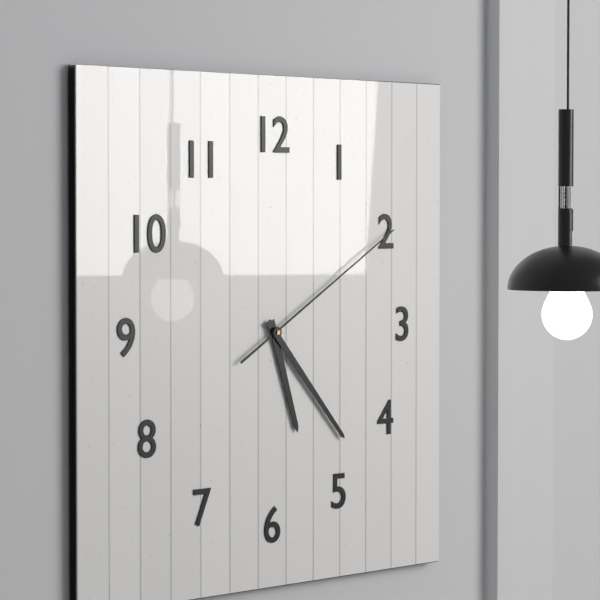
5:23:10
